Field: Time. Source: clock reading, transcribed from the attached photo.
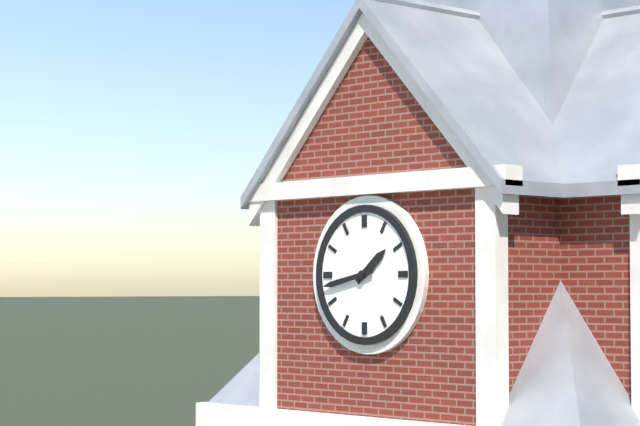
1:43
